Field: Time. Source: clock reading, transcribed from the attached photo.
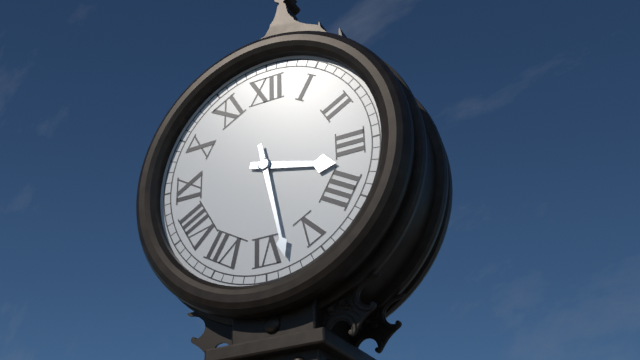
3:28
